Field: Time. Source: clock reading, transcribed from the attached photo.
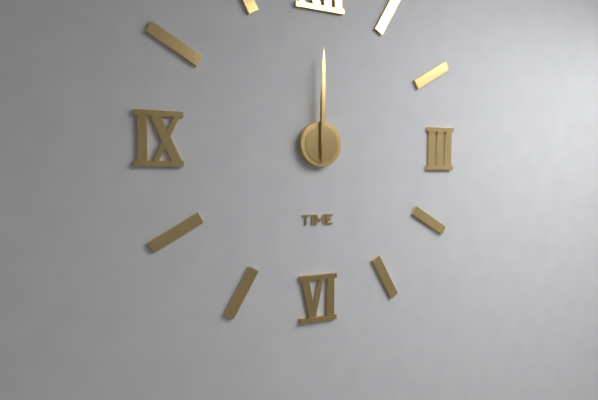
12:00
